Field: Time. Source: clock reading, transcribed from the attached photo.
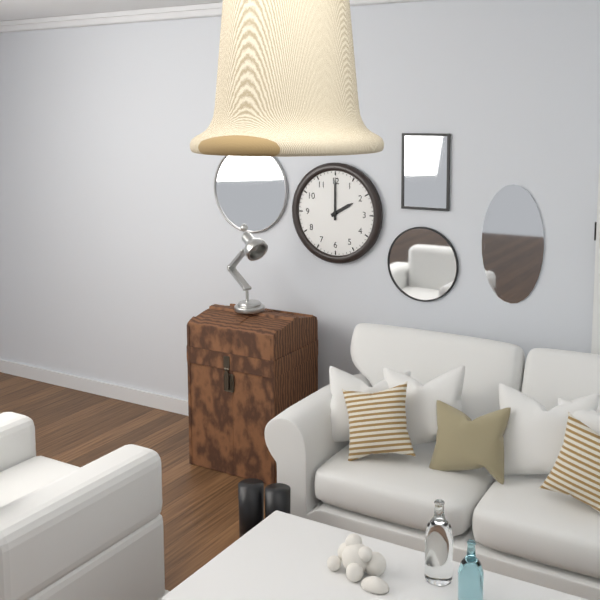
2:00
